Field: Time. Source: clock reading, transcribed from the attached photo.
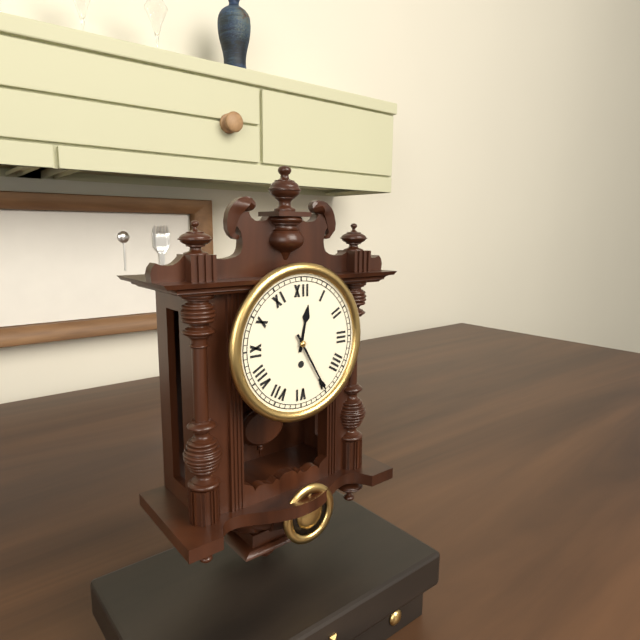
12:25
